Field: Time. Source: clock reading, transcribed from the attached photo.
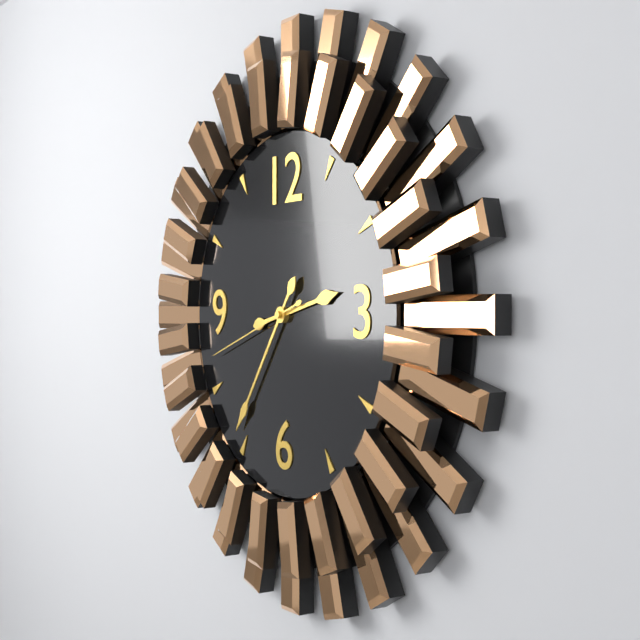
2:36:42
